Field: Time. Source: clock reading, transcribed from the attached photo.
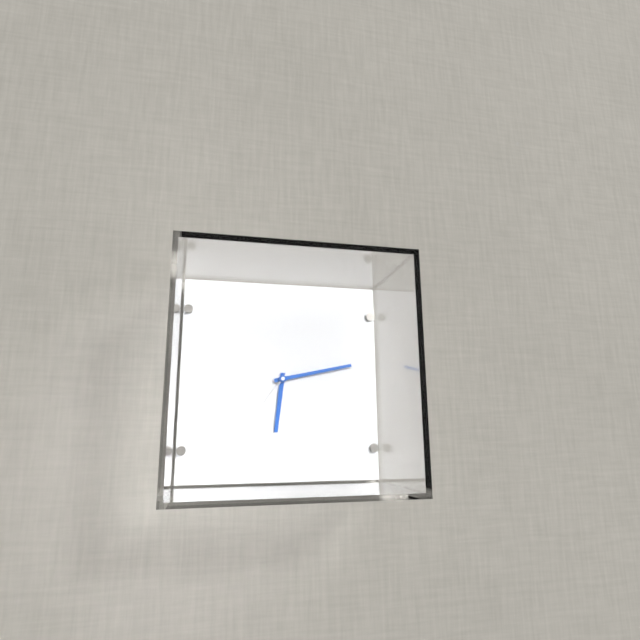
6:13:36
